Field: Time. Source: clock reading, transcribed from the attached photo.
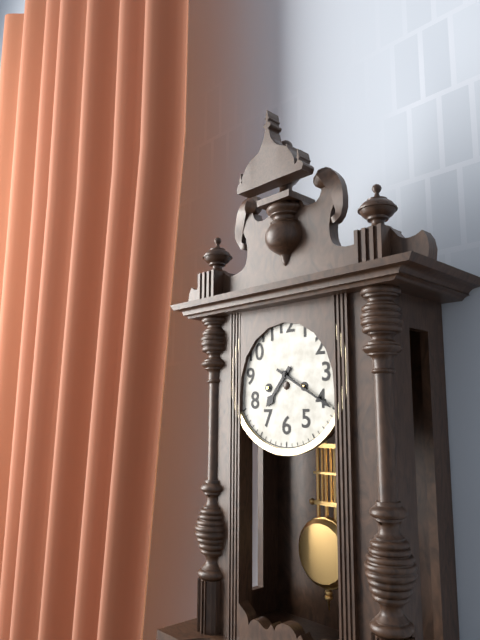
7:20
